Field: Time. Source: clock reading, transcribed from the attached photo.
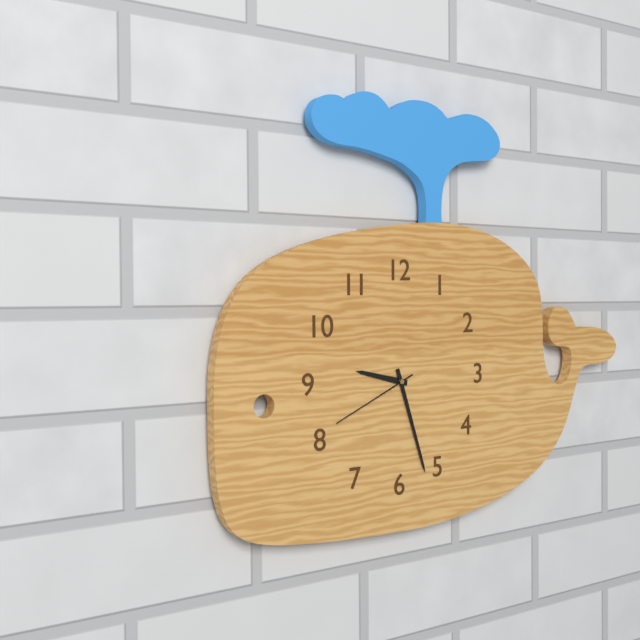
9:27:41
